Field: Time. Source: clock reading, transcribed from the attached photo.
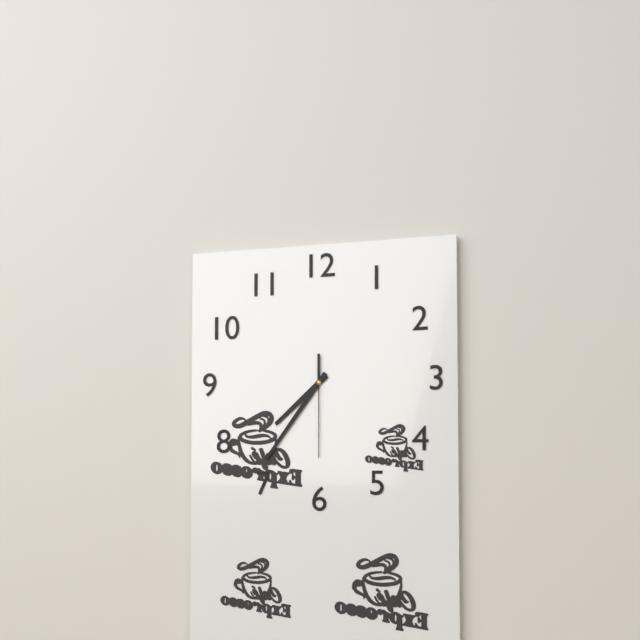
7:36:30
